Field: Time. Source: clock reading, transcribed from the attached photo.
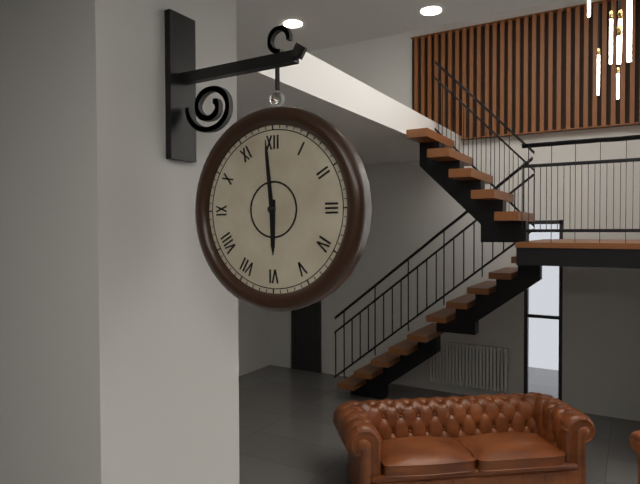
5:59
